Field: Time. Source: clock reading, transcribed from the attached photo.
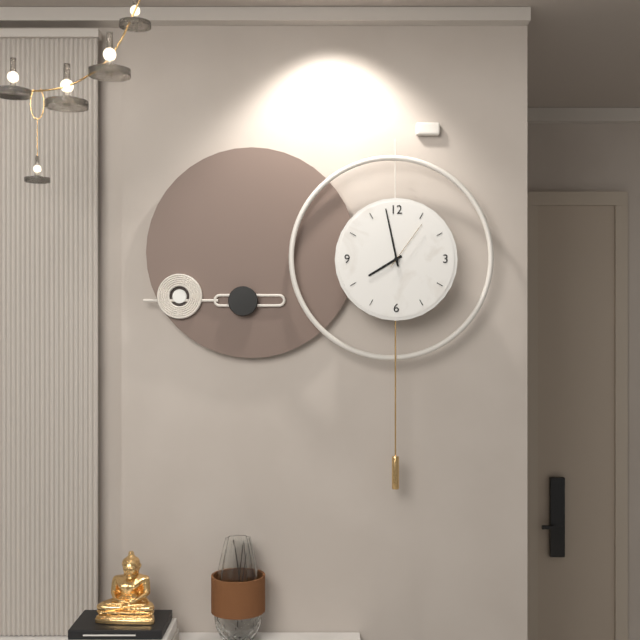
7:58:06
